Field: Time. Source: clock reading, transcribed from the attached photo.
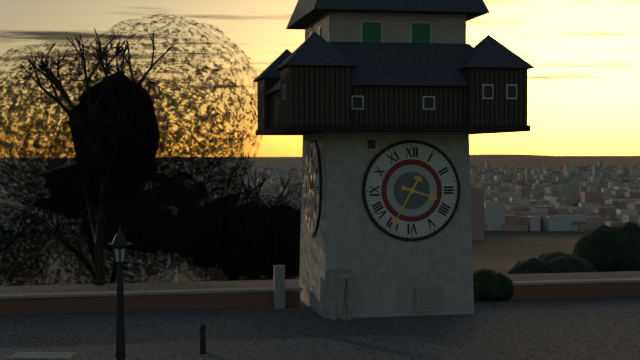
3:35
